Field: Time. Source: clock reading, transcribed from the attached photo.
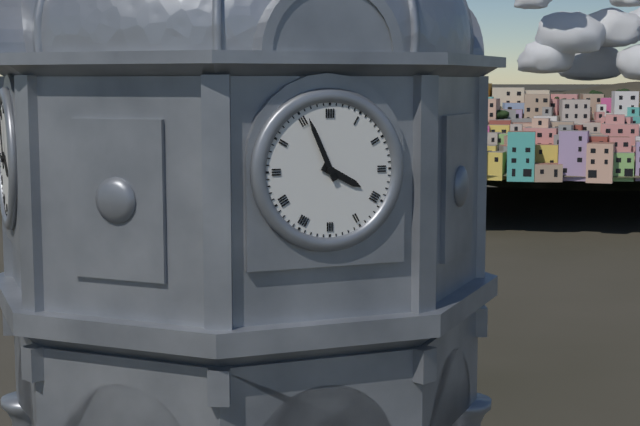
3:56
